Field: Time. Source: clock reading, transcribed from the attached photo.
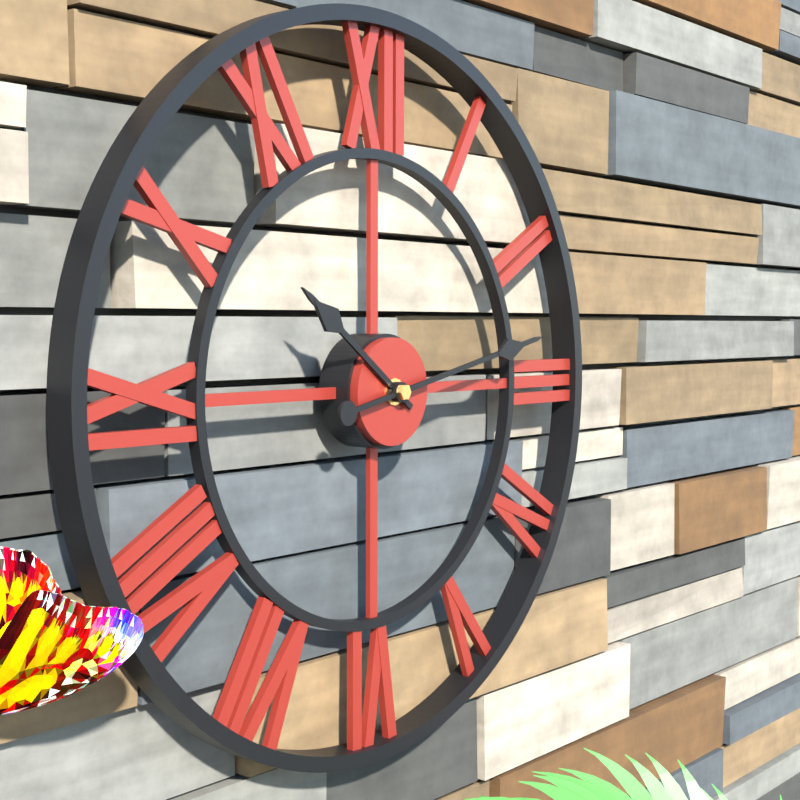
10:13
